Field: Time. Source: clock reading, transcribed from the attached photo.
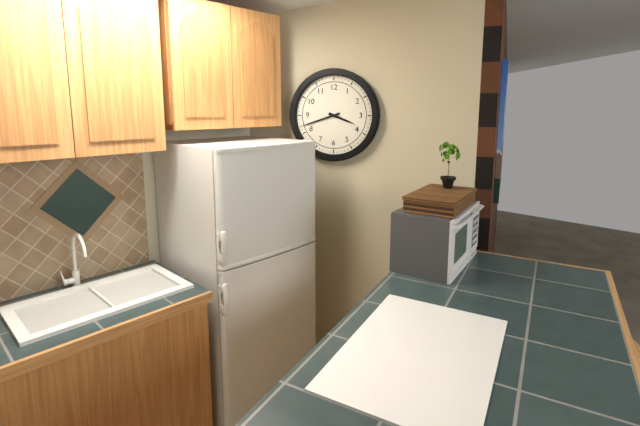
3:42
